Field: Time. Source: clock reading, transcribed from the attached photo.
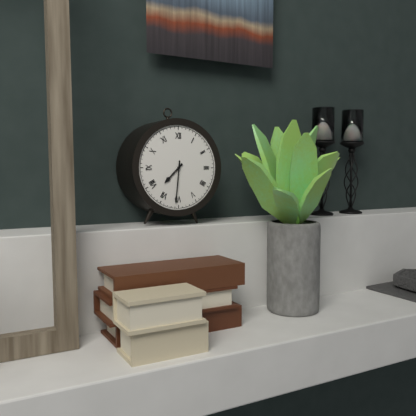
7:31
